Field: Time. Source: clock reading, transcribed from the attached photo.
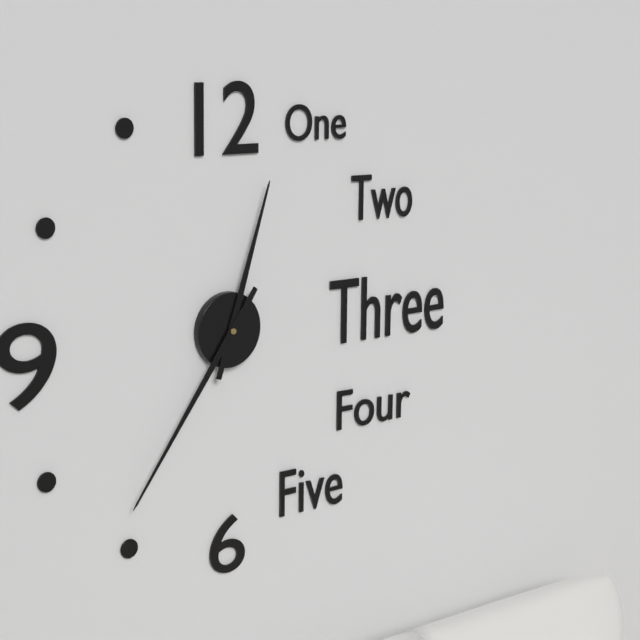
12:36
